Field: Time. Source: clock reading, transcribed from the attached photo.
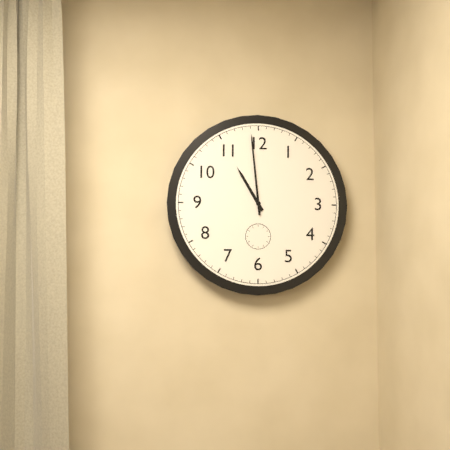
10:59
